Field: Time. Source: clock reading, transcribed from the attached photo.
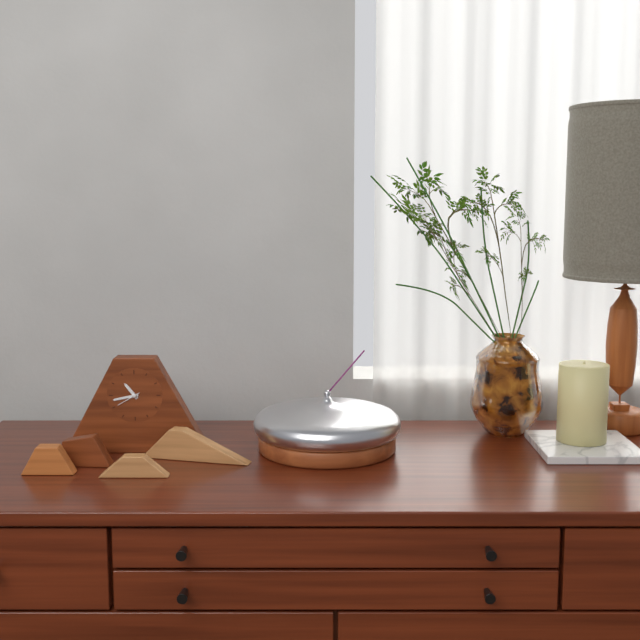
10:43
